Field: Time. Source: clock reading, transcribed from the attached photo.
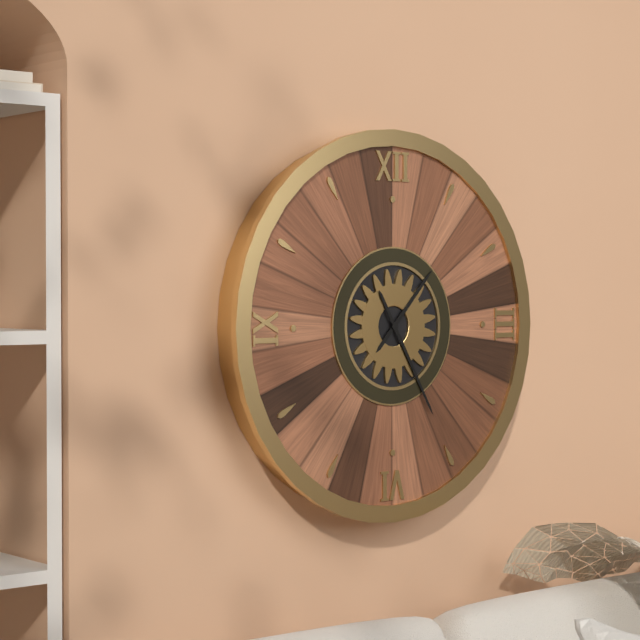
1:25
